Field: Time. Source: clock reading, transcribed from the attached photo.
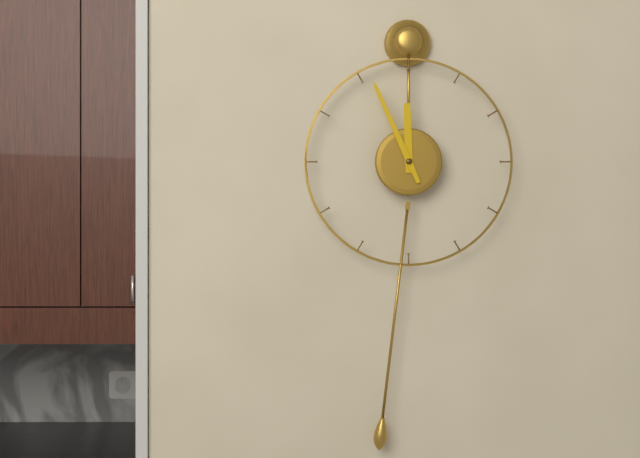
11:56
